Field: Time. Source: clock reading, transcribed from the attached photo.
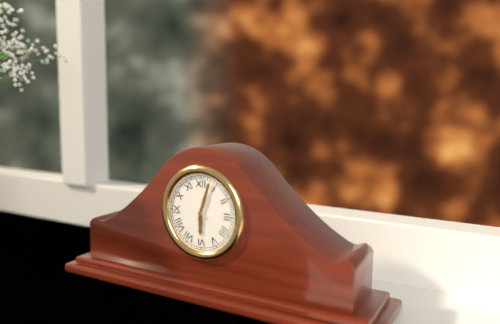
6:03
